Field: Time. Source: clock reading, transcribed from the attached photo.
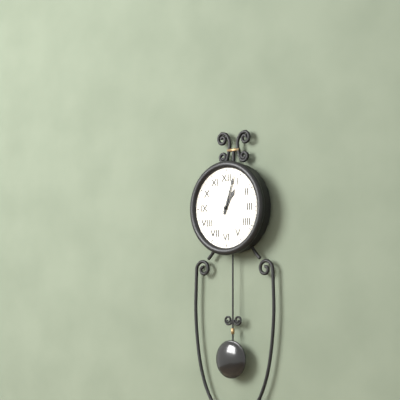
1:03
